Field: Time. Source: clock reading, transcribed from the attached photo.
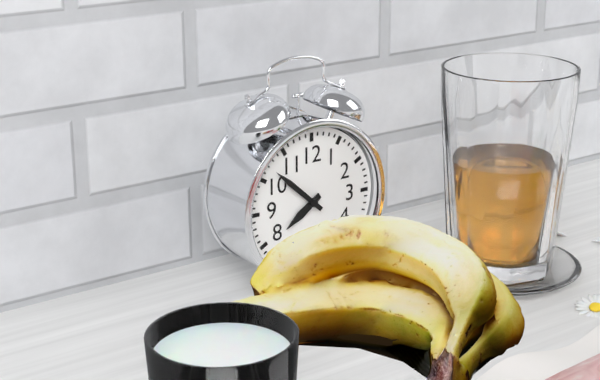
7:52
